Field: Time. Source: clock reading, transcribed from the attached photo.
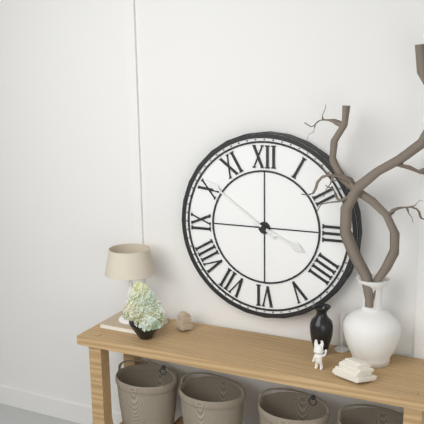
3:51
